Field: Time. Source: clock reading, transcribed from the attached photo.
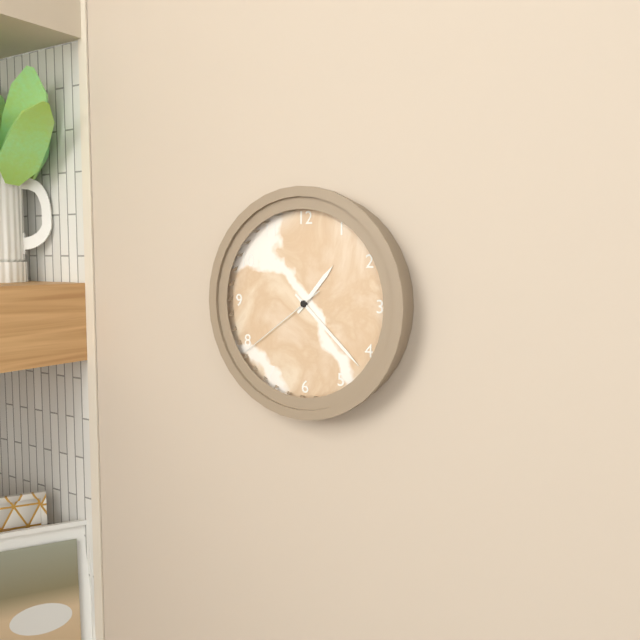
1:22:39
